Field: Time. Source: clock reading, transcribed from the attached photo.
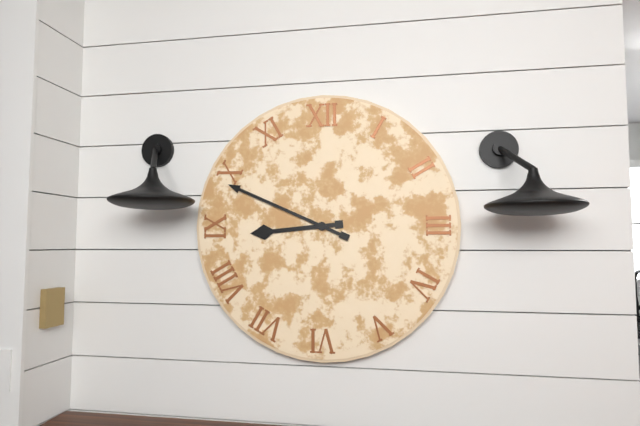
8:49
